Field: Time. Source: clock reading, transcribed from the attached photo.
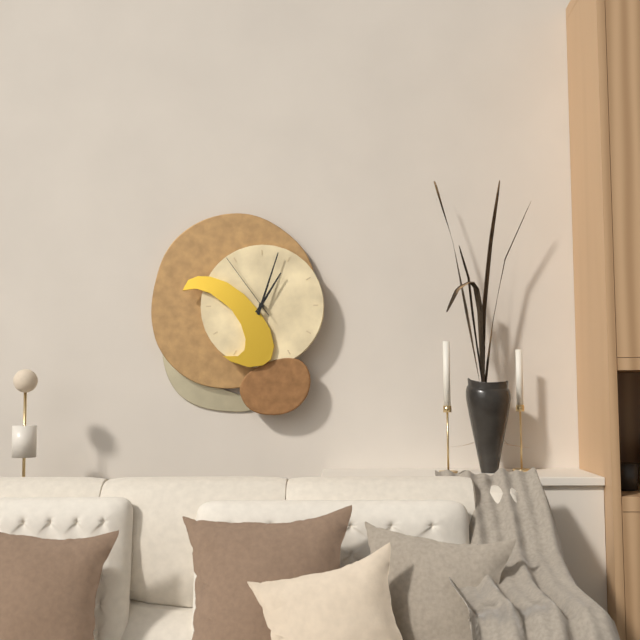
1:03:54
